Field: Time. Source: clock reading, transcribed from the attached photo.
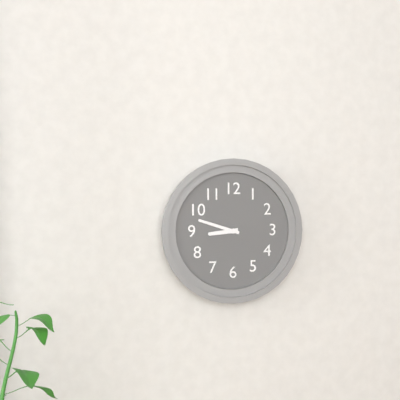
8:48
